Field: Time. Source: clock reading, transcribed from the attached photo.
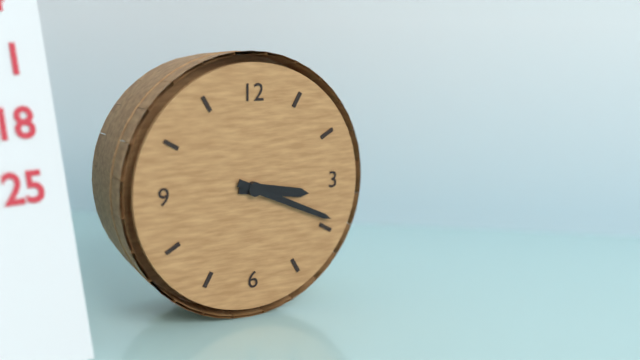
3:19
